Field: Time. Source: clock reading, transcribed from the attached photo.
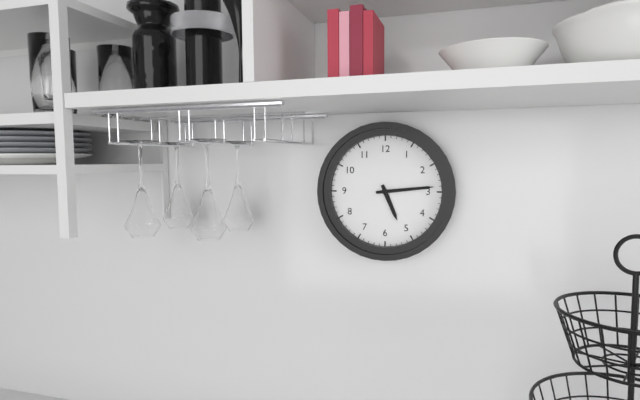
5:14
